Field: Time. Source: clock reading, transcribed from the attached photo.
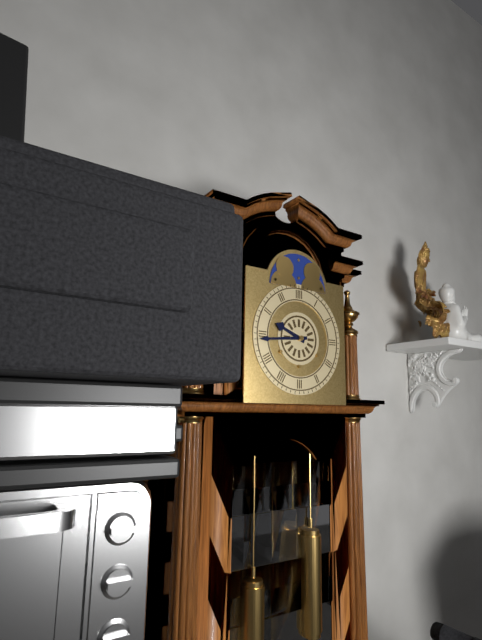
9:44
